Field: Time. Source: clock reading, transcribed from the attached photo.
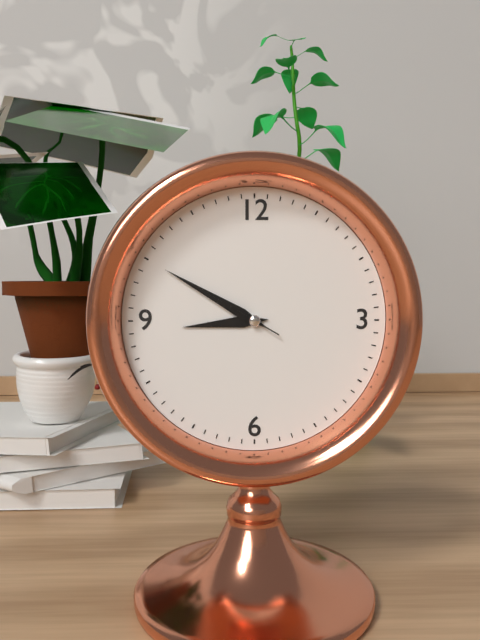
8:50:50
